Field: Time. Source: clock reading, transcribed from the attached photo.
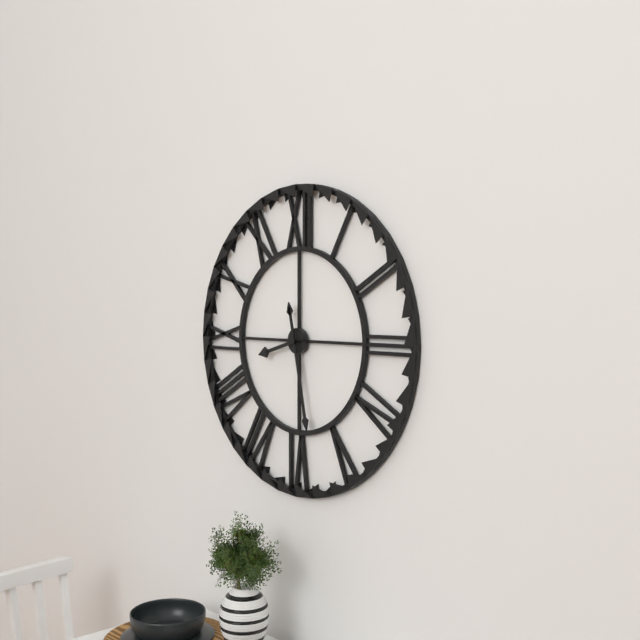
8:28
